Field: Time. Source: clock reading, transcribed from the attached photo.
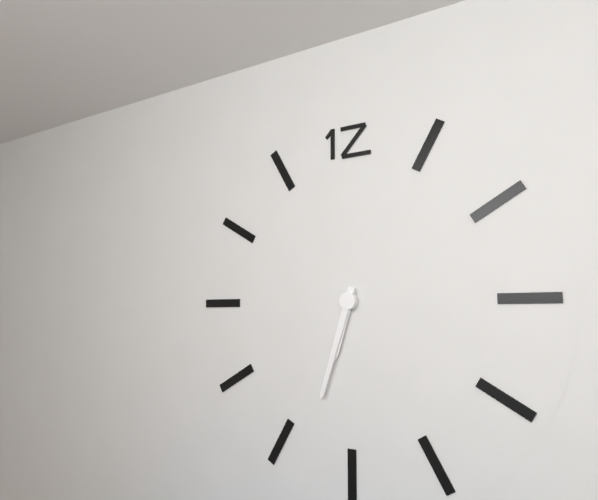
6:33
